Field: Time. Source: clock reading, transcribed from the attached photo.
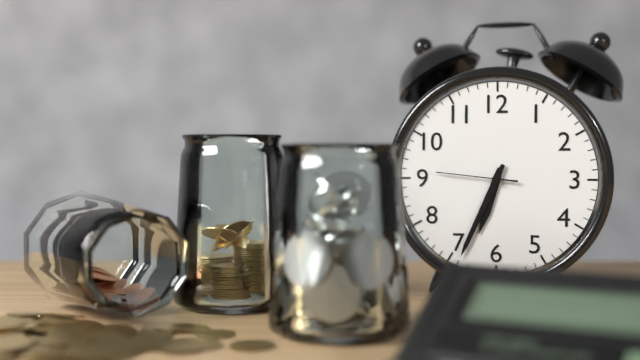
6:34:46
